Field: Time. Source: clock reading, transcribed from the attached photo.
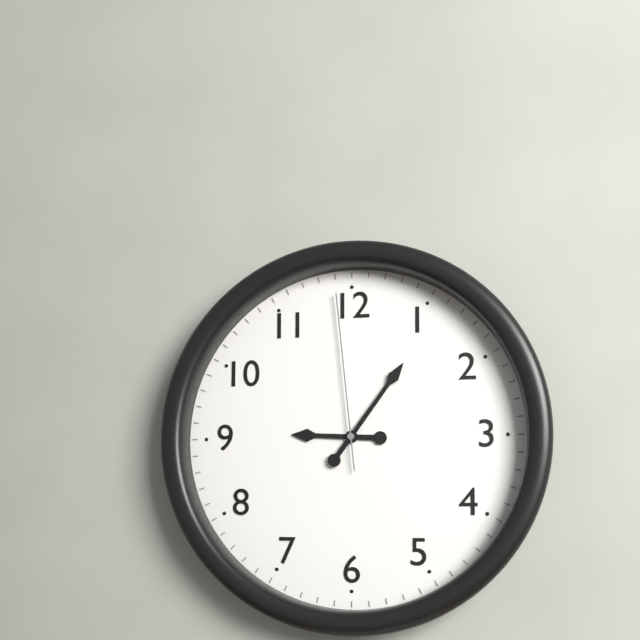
9:06:59
